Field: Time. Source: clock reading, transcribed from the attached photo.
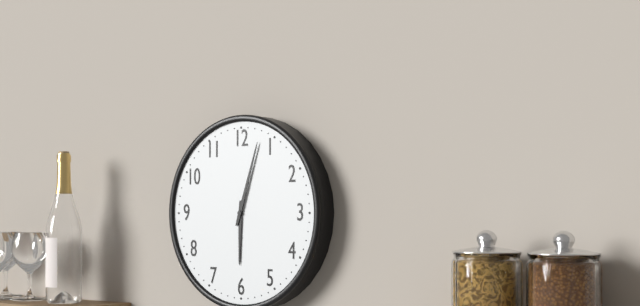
6:03
